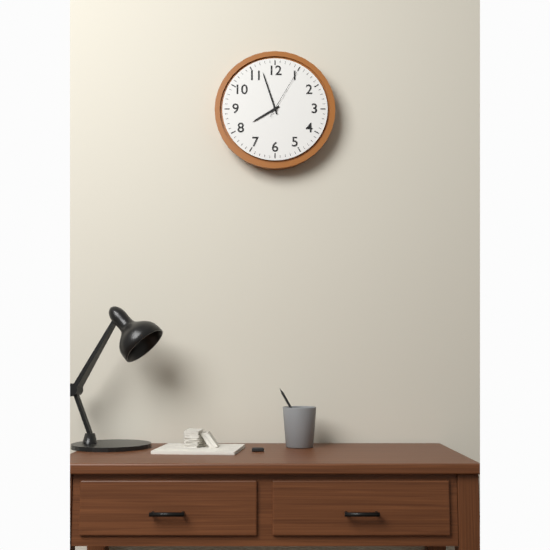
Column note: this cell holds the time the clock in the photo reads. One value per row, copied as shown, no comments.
7:57:05
